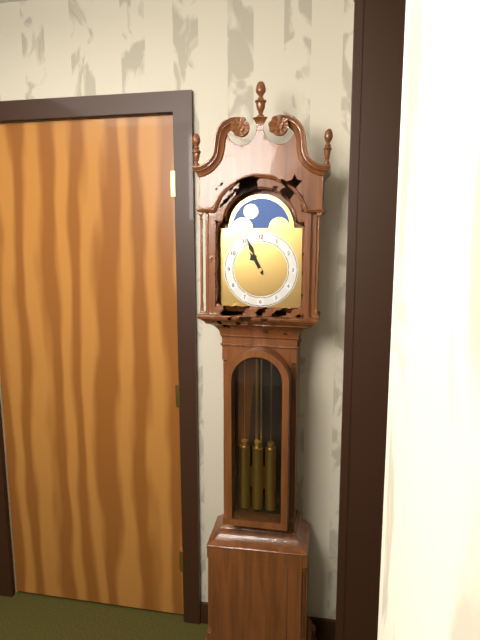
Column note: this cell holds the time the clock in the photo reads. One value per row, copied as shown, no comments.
10:56
